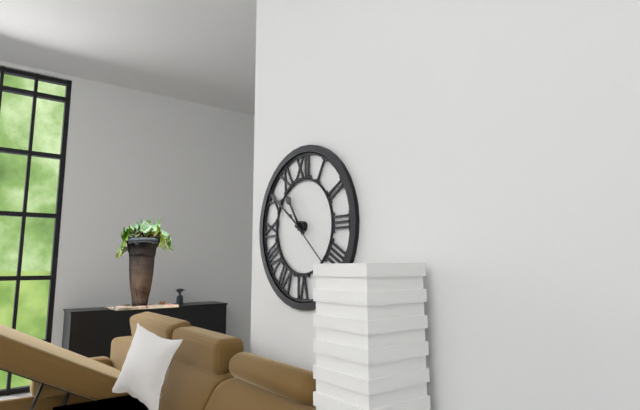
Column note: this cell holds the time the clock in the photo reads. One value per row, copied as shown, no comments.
10:51:22
